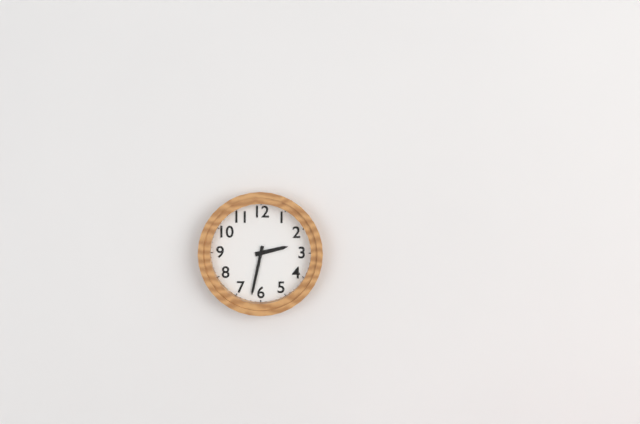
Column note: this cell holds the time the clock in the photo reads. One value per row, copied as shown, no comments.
2:32
